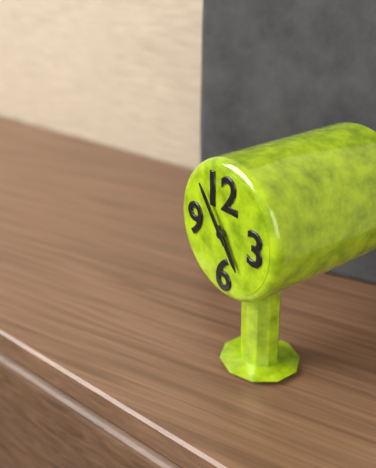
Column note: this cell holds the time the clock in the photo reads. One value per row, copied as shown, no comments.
4:54
